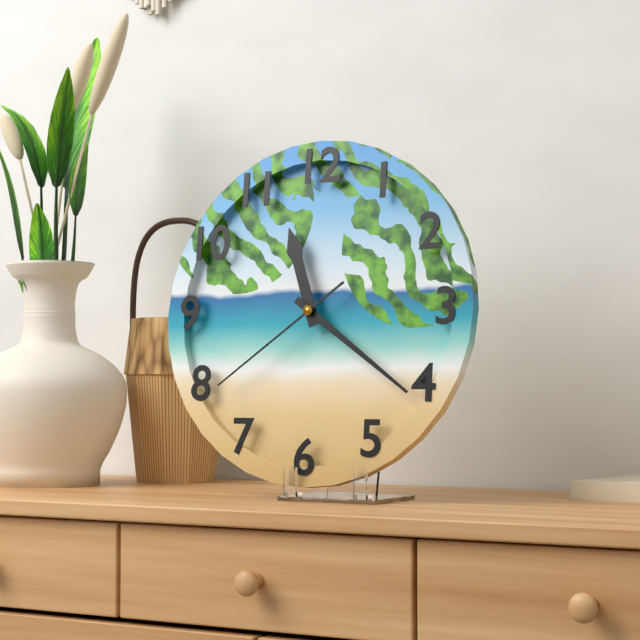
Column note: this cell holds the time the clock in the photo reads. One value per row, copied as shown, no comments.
11:21:39
